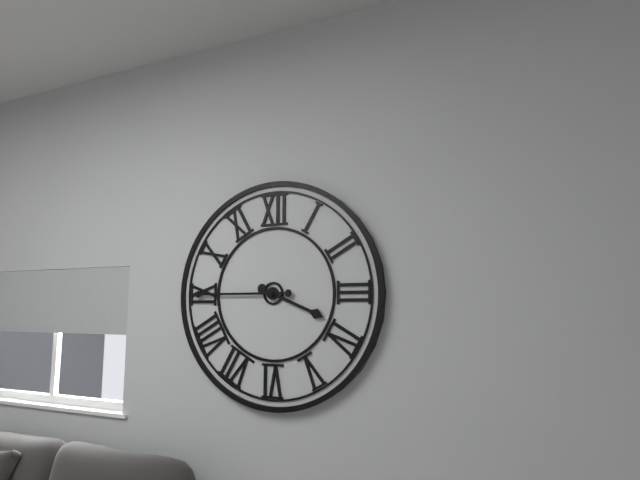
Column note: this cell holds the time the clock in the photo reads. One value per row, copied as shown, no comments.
3:45
